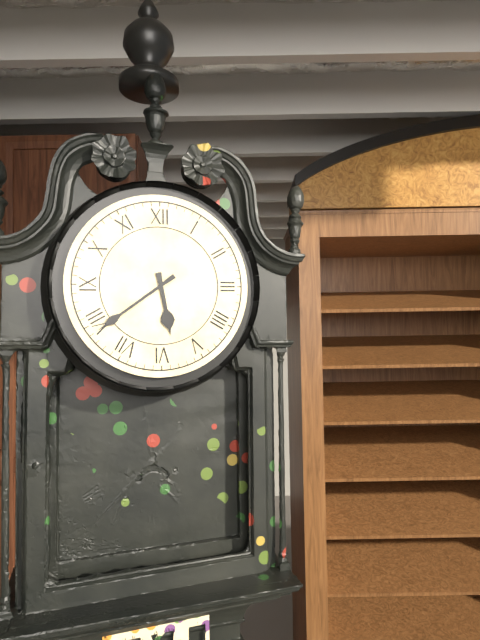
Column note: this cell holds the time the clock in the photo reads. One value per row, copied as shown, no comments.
5:39
